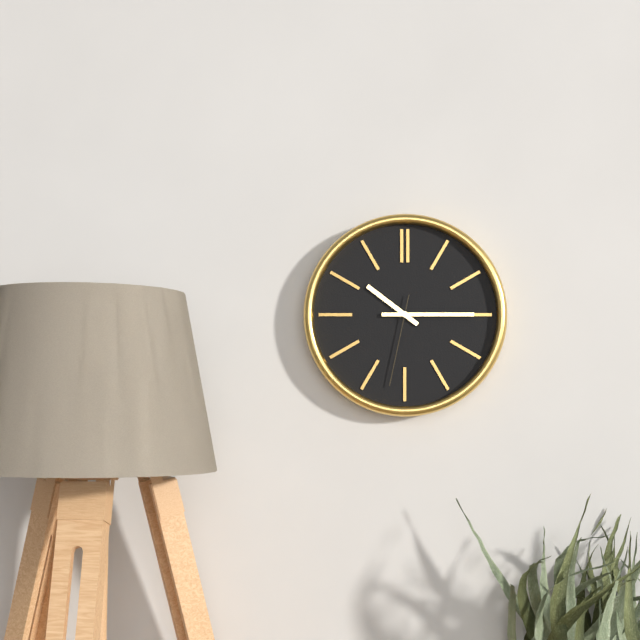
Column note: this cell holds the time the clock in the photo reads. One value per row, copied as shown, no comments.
10:15:32
